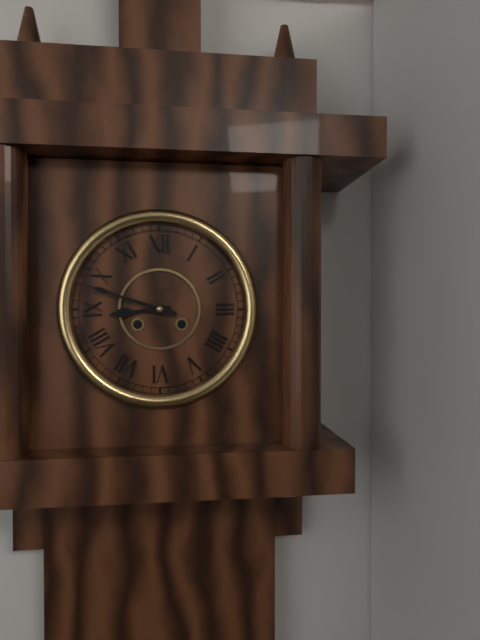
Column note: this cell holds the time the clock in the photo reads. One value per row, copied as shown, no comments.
8:48
